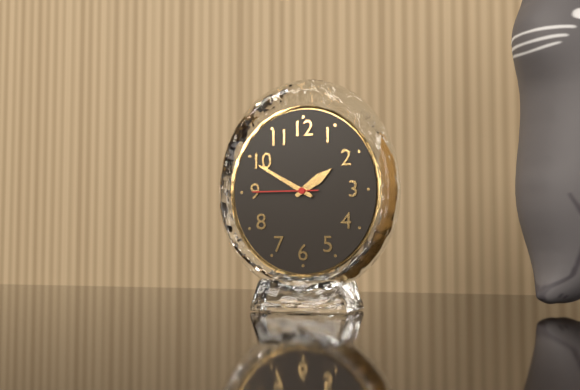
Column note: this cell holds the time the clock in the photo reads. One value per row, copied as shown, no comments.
1:50:45
